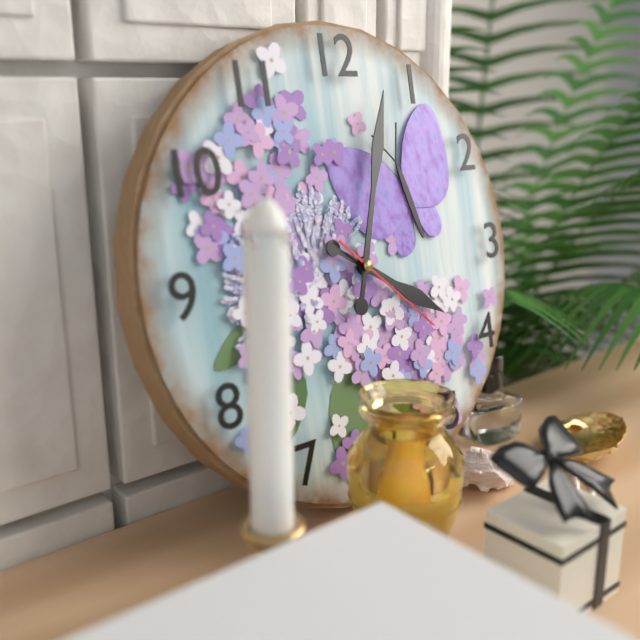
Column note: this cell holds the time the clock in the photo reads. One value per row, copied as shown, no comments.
4:03:22
